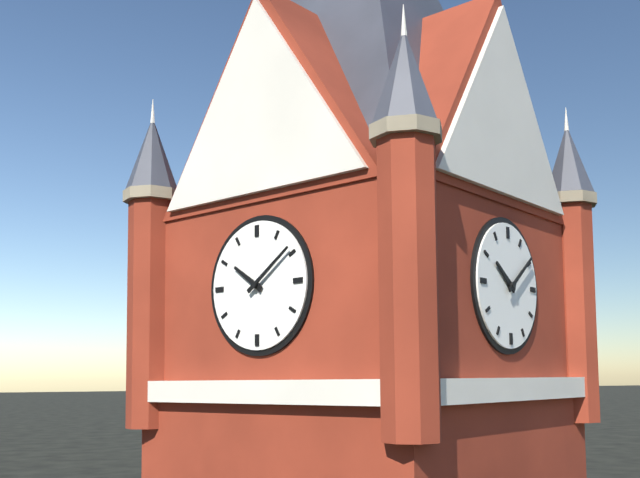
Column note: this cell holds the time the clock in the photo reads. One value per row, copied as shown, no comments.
10:09
